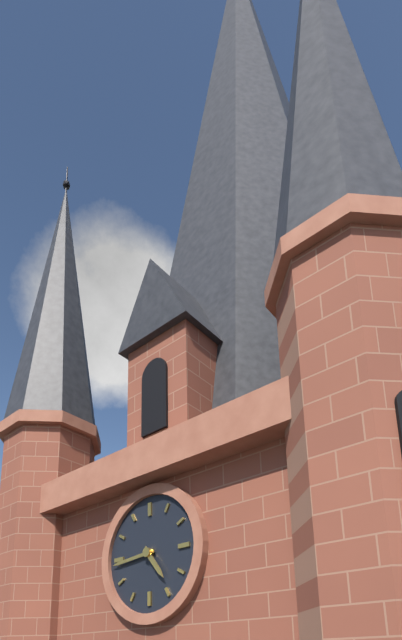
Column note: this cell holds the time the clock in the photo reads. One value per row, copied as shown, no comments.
4:44
